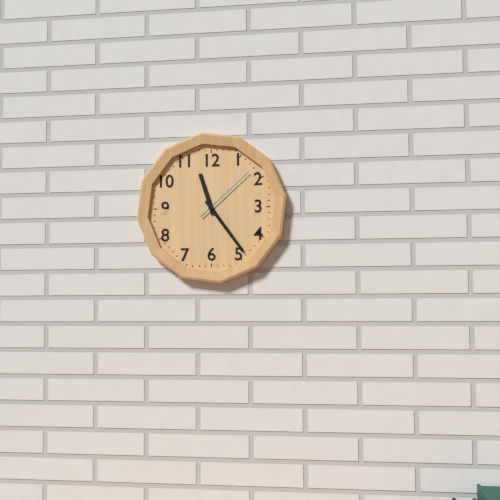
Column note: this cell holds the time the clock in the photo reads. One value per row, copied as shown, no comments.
11:24:08
